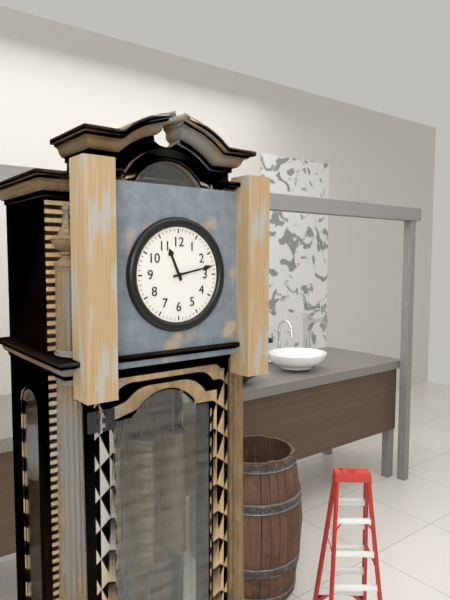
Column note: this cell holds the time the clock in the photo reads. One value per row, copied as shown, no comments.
11:13
